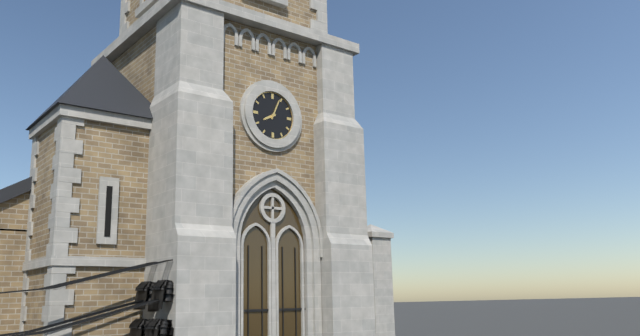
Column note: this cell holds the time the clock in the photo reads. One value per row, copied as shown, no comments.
8:04
